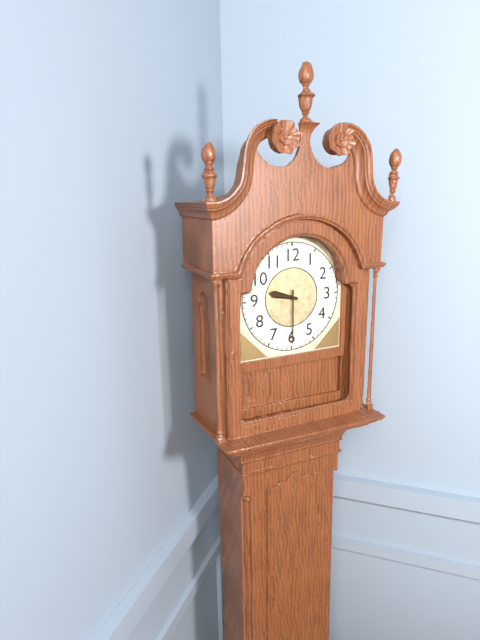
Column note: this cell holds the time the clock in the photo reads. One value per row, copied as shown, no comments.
9:30
